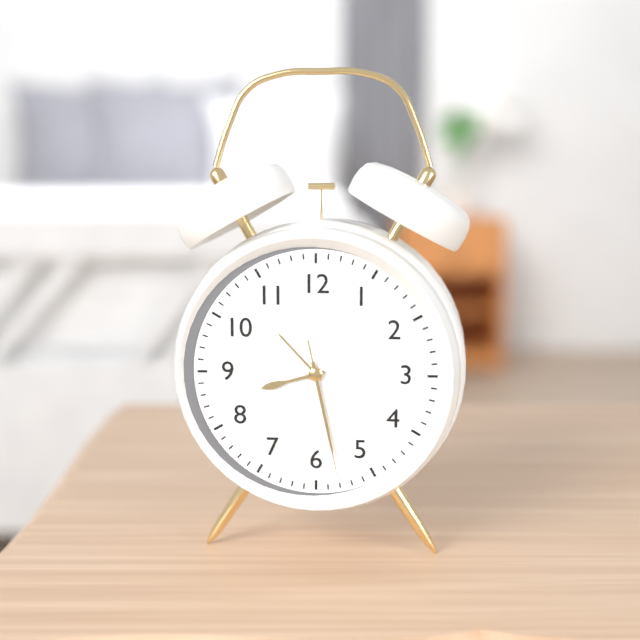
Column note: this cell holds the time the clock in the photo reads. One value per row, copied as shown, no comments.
8:28:28
